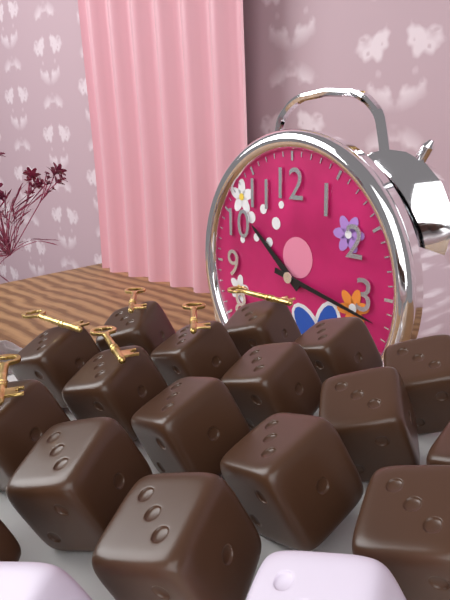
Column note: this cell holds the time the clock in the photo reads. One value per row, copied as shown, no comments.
10:17
